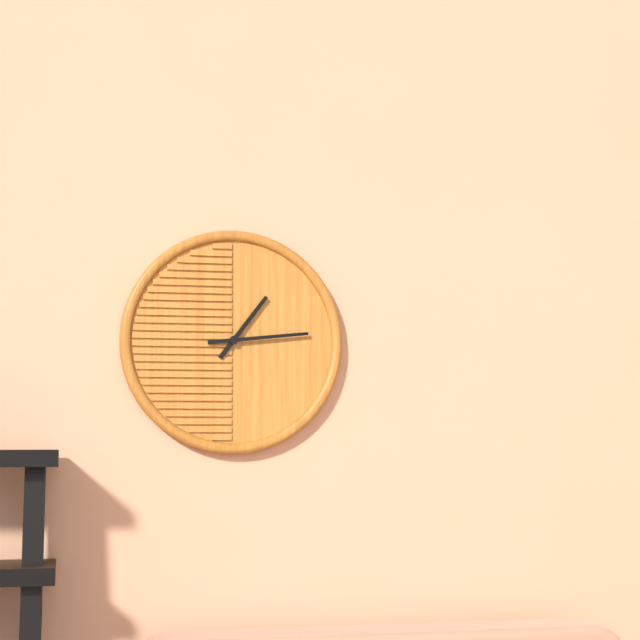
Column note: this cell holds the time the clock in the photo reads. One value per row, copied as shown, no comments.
1:14
